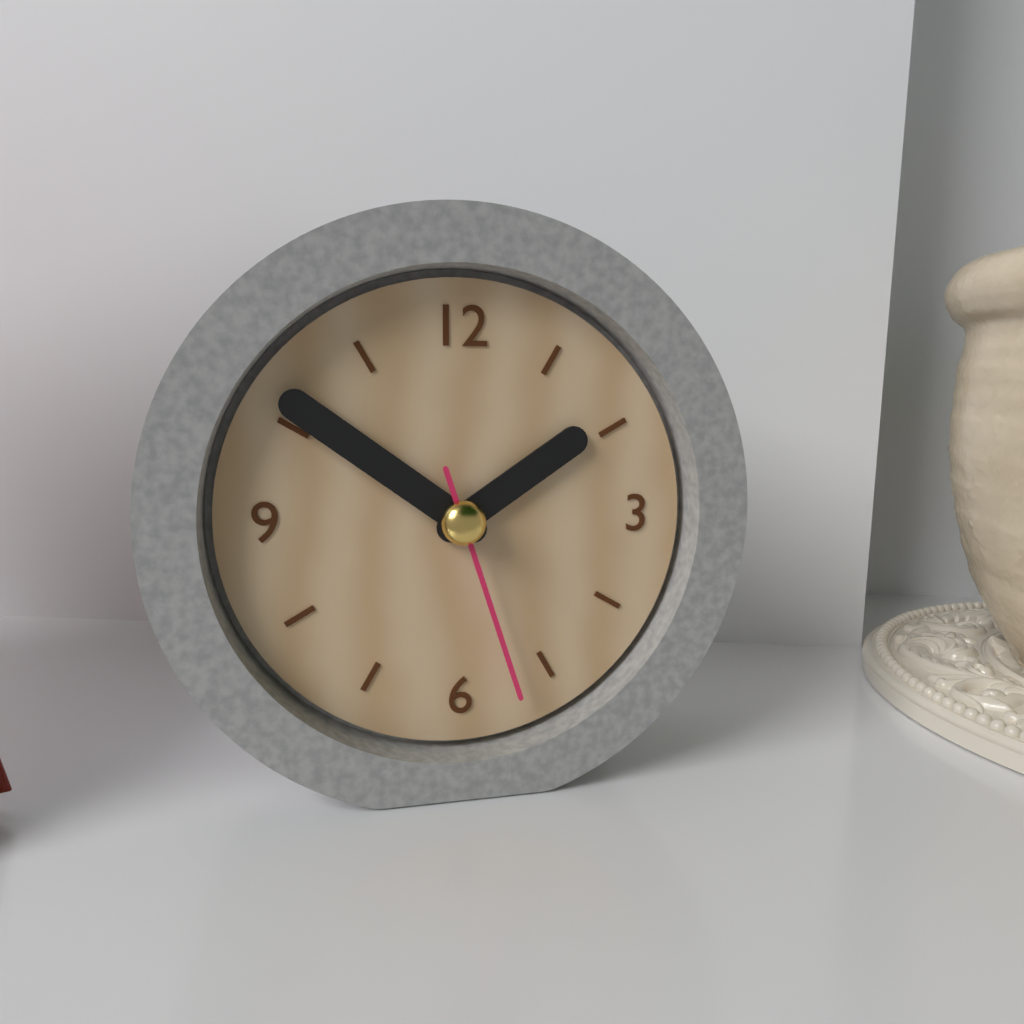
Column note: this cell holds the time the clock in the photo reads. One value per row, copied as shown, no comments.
1:51:27
